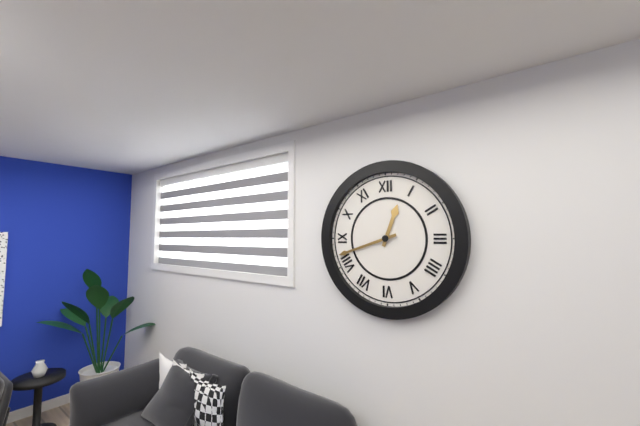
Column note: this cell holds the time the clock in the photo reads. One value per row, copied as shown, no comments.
12:42
